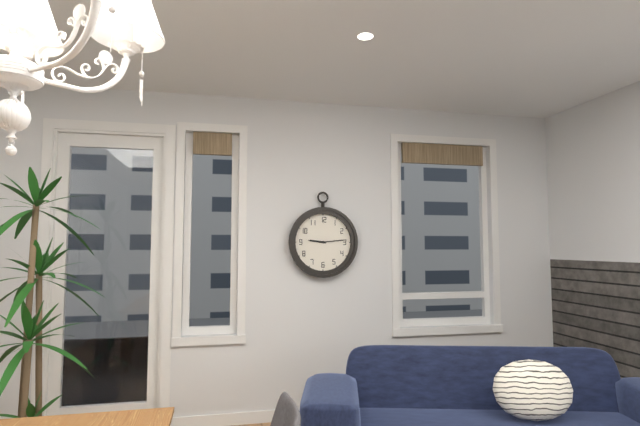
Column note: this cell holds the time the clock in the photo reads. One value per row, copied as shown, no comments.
9:14
